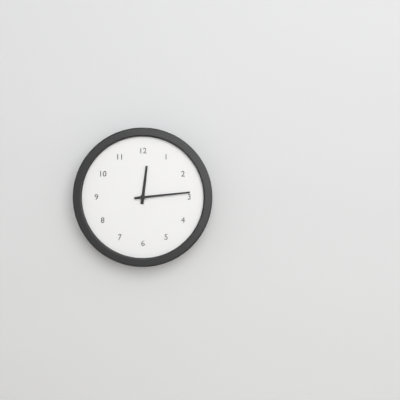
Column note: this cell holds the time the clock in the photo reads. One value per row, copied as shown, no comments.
12:14
